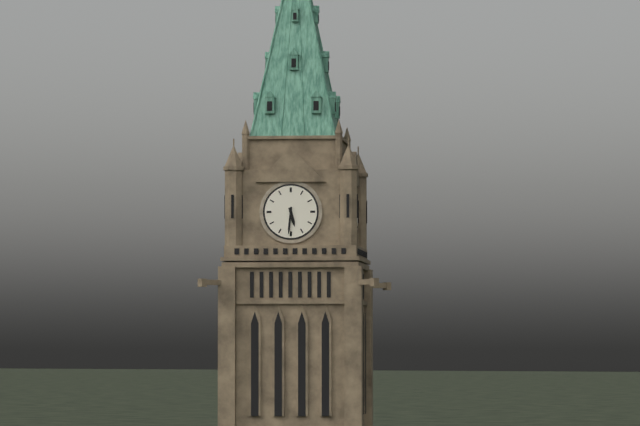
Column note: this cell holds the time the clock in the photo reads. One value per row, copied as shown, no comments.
5:31
